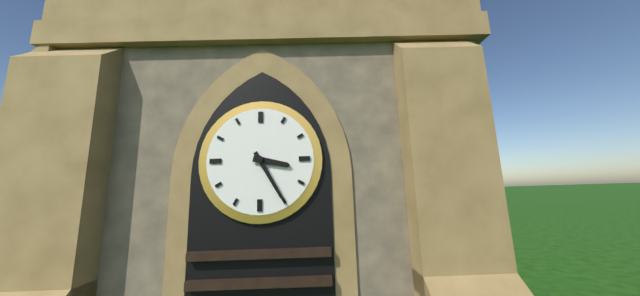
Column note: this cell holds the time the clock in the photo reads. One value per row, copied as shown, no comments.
3:25
